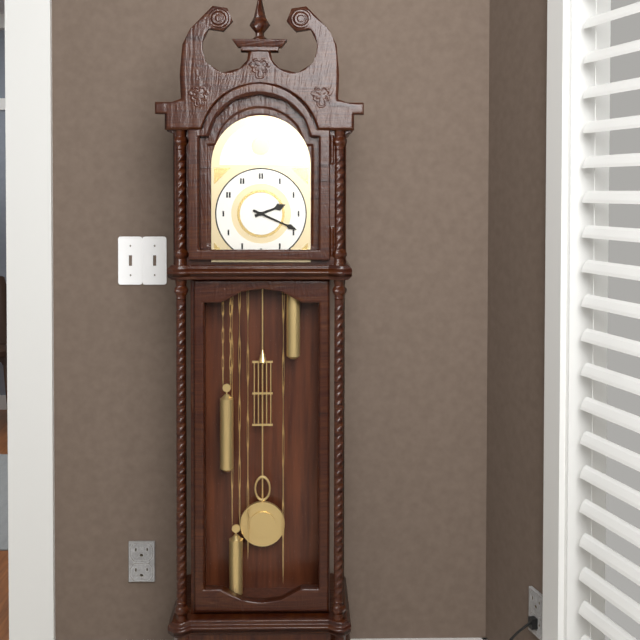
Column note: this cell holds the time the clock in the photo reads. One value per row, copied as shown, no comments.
2:19
